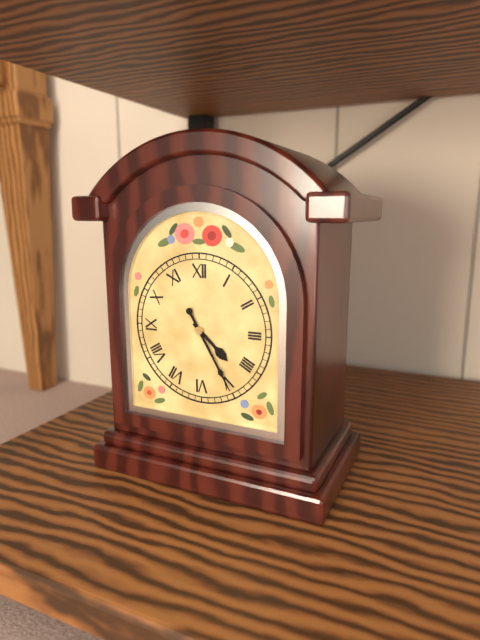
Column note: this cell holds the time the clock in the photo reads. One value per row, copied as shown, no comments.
4:25
